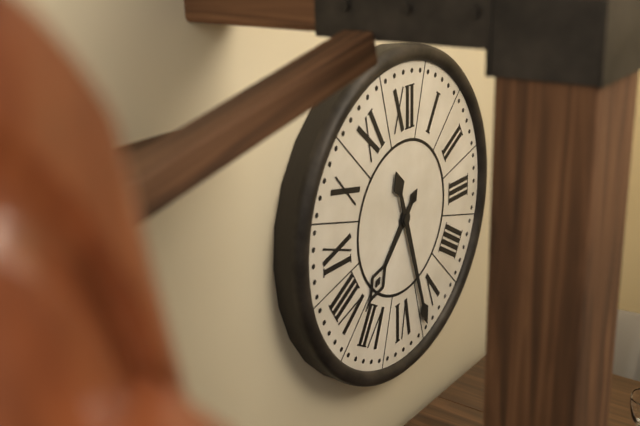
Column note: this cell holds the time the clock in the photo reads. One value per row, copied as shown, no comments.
7:27
